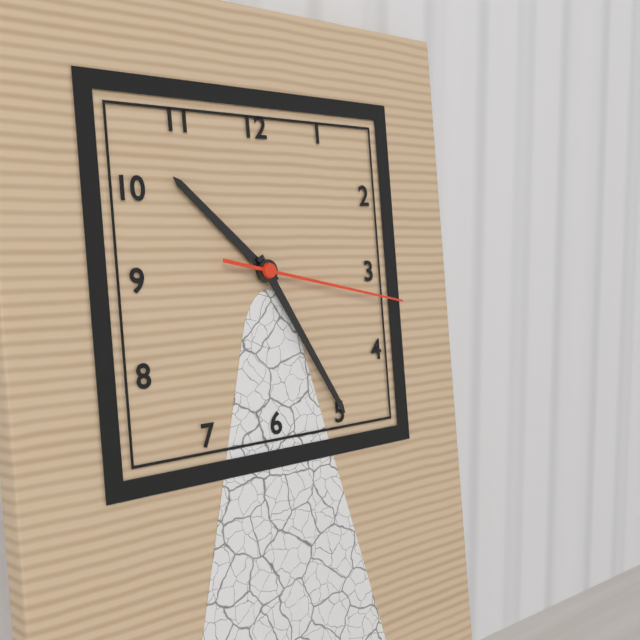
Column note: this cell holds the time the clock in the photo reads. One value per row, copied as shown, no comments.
10:25:17
